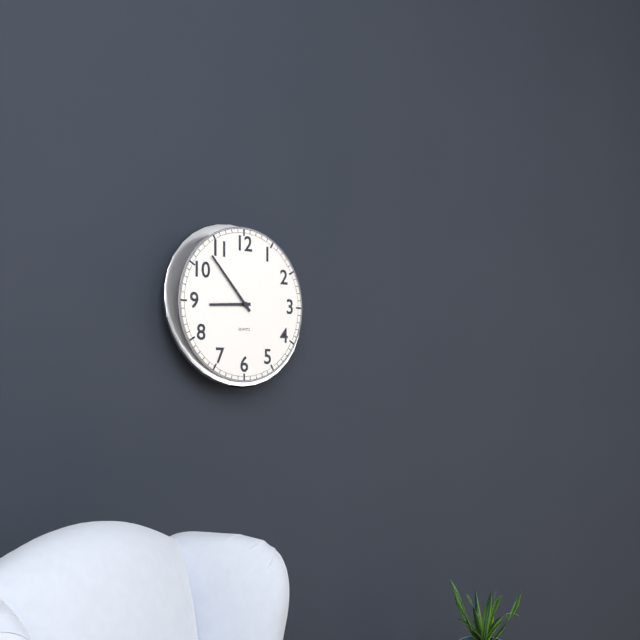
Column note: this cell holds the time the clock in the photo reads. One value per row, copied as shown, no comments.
8:53
